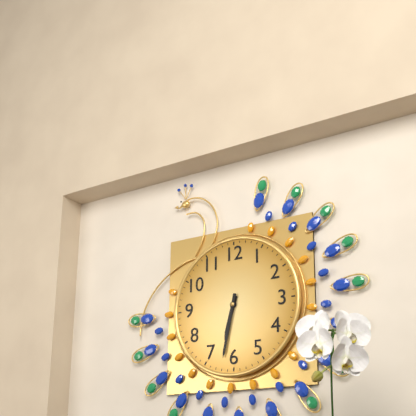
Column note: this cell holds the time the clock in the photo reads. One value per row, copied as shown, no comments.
6:32
